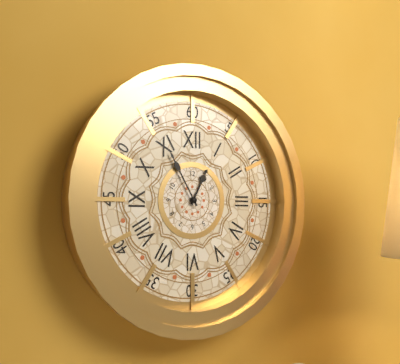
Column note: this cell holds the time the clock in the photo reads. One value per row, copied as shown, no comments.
12:55
